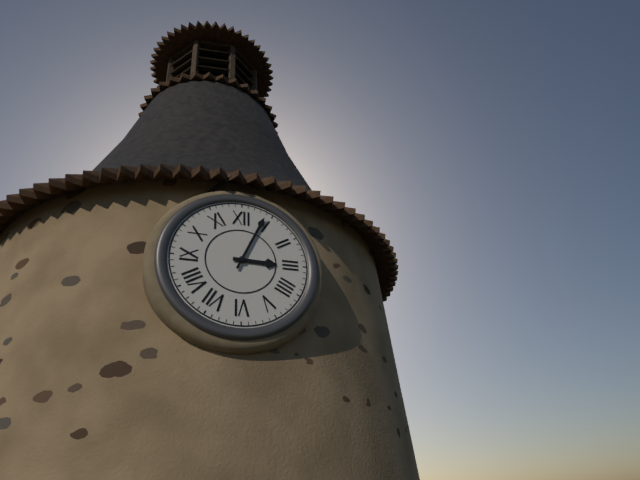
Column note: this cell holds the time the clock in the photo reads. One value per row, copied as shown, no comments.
3:04
